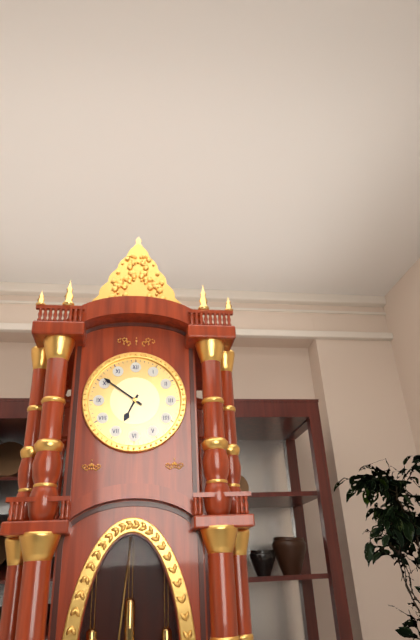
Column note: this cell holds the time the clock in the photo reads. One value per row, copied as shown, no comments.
6:51
